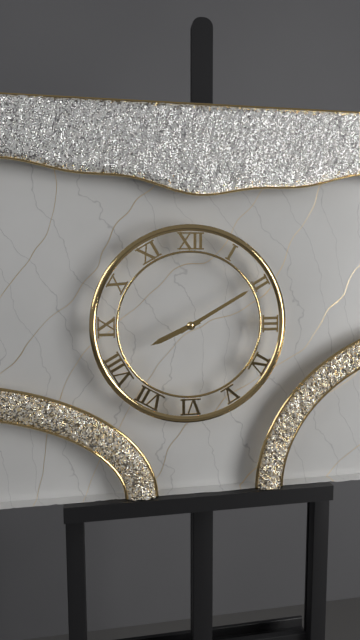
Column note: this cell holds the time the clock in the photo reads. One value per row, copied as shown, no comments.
8:10
